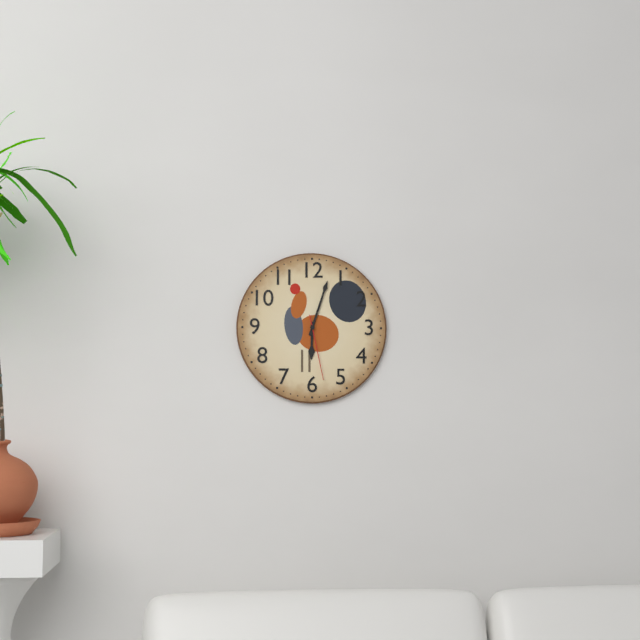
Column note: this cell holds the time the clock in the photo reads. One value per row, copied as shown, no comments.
6:03:28
